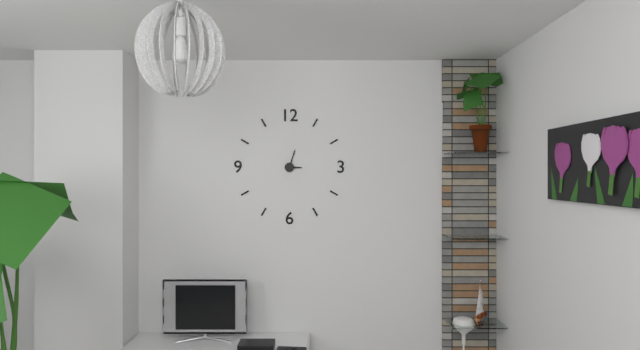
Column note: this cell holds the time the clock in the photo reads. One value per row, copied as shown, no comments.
3:03
